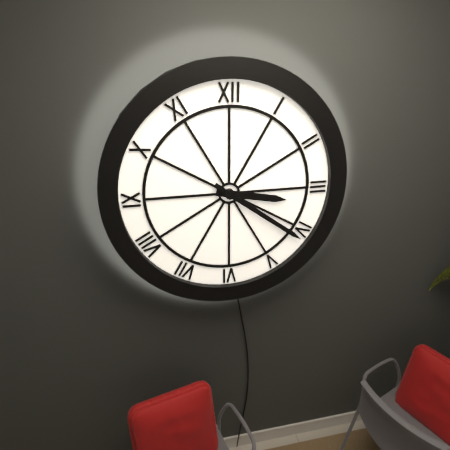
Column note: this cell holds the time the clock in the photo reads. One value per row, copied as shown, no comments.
3:21
